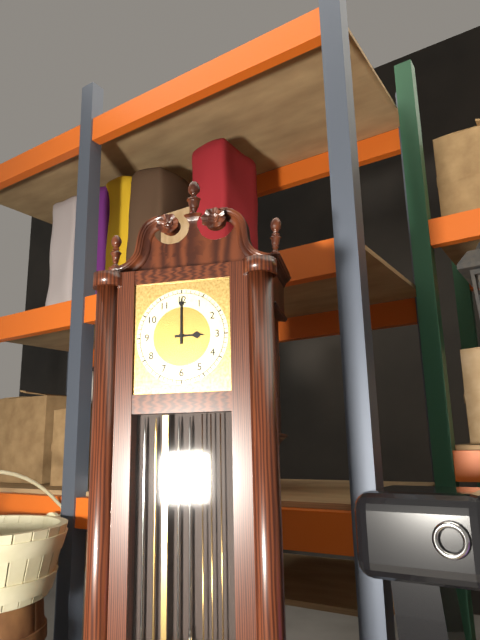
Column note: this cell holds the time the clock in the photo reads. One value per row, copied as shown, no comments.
3:00
